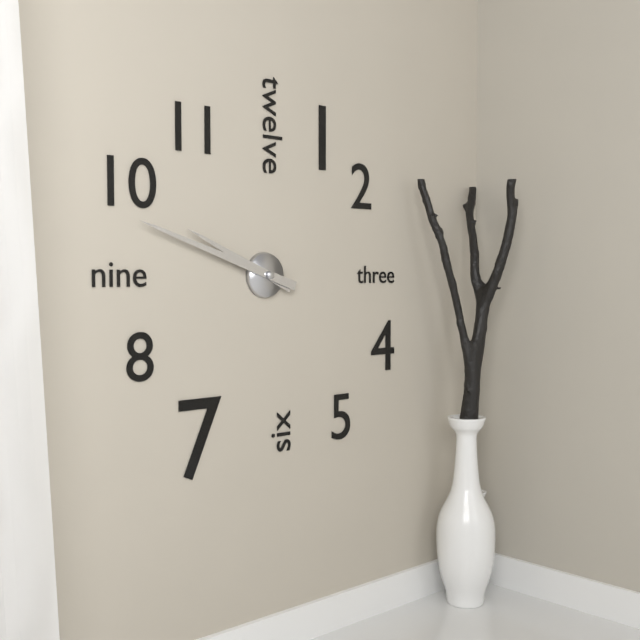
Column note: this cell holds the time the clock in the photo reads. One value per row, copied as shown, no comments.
9:48
